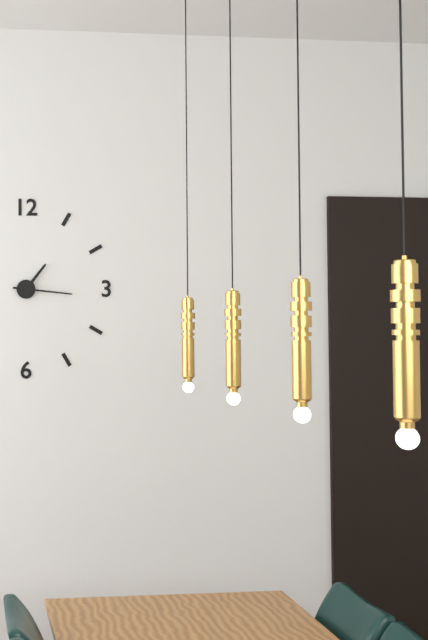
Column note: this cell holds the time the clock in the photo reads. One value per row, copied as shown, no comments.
1:16
